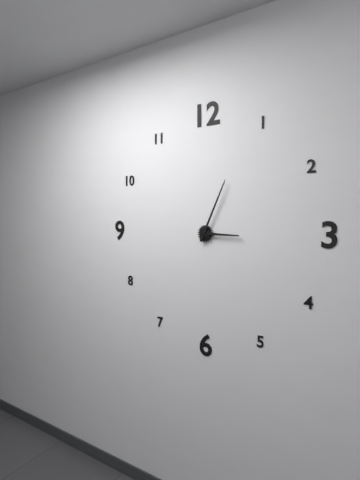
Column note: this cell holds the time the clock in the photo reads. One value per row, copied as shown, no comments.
3:04
